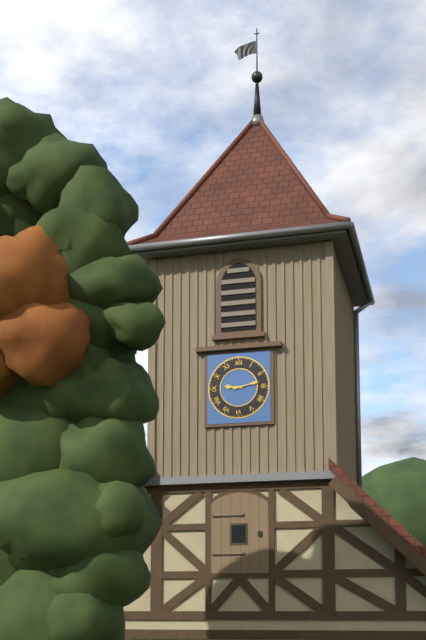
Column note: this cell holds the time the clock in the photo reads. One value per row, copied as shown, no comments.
9:13
